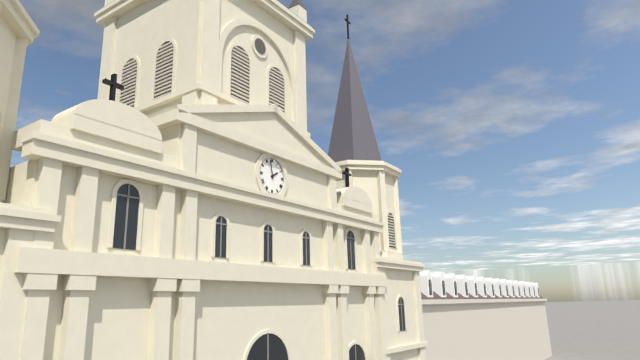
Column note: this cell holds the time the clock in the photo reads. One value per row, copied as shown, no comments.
1:58
